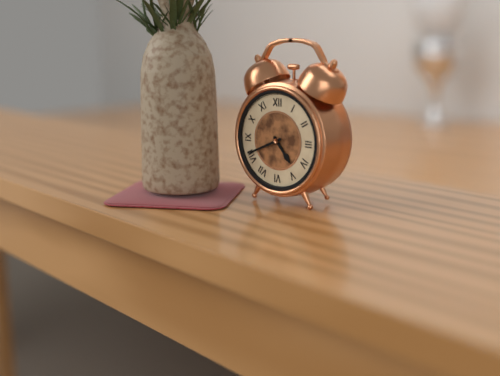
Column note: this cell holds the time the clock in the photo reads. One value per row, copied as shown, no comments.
4:41
